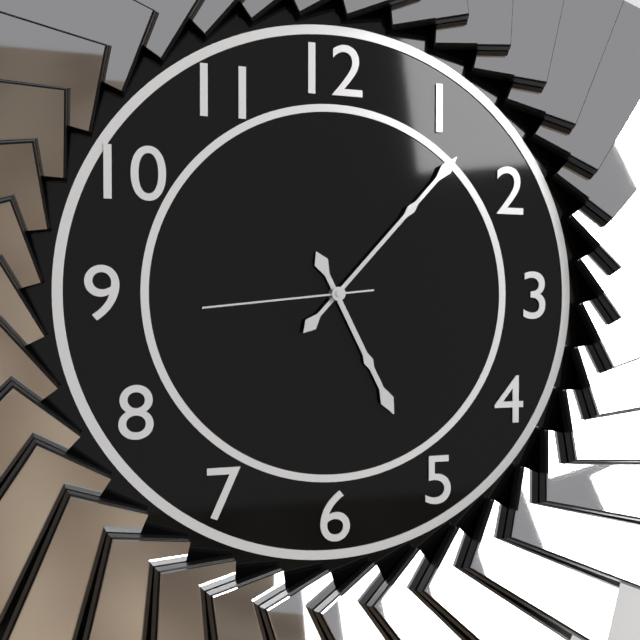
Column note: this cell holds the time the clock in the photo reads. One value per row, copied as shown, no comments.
5:07:44
